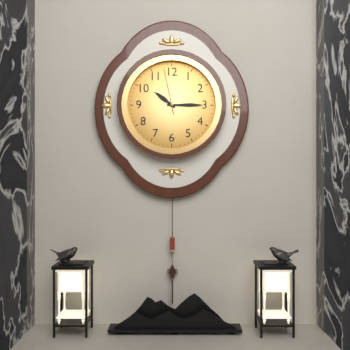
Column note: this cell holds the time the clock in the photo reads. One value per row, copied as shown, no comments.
10:15
